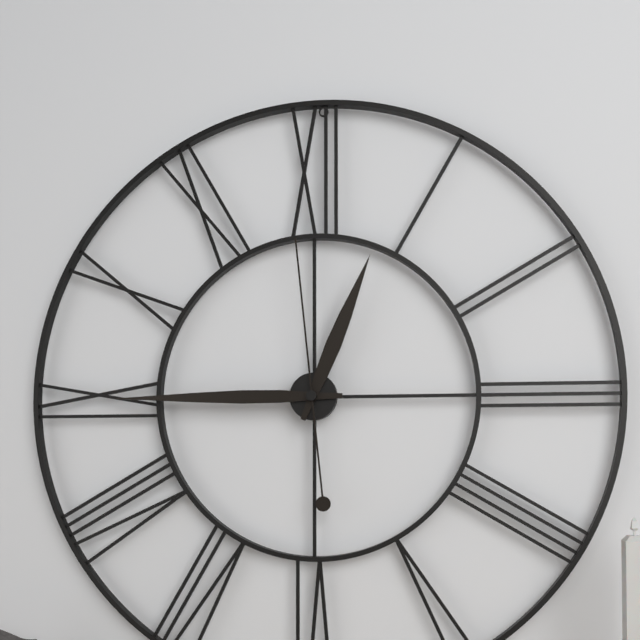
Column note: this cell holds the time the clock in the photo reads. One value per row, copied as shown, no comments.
12:45:59
